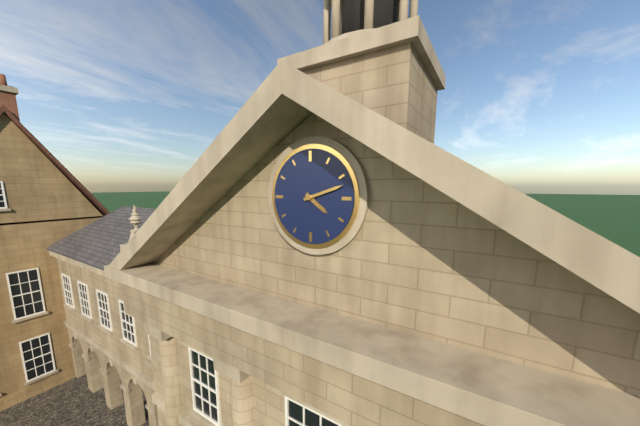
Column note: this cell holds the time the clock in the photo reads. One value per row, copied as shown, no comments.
4:12
